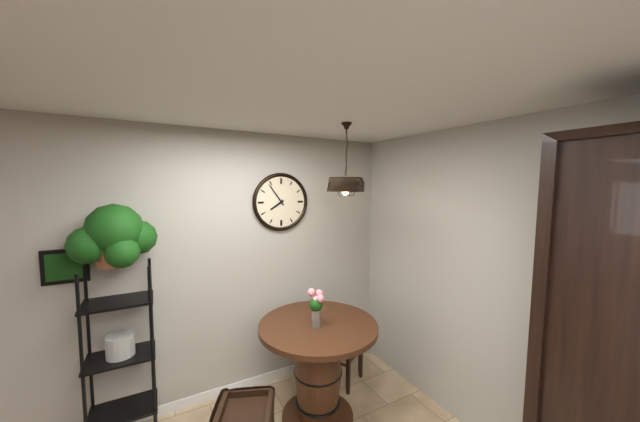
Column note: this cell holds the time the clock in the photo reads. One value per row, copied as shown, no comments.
7:54
